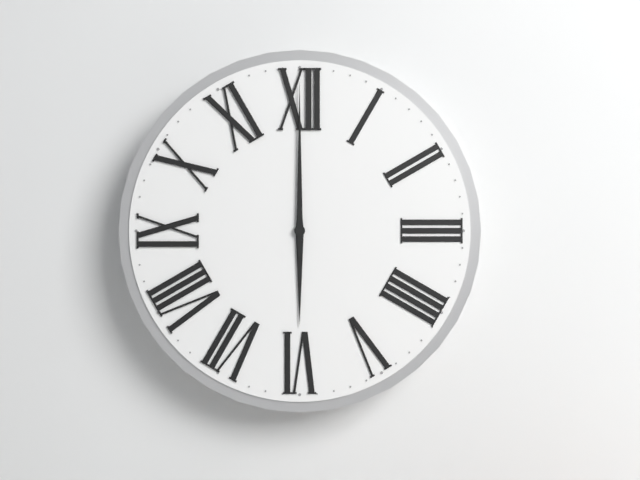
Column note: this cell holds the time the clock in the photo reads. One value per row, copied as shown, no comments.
6:00
